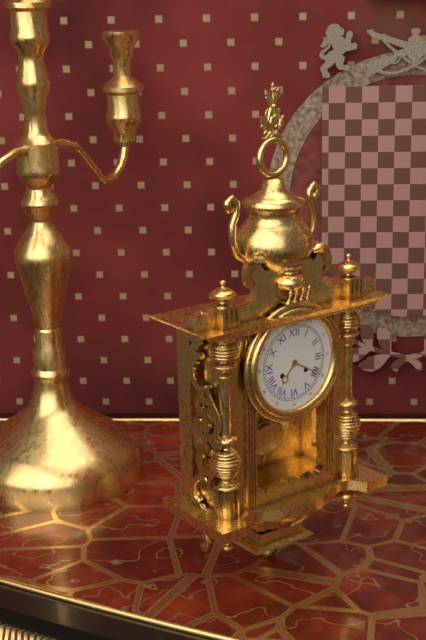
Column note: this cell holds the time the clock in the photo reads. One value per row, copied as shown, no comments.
7:20
